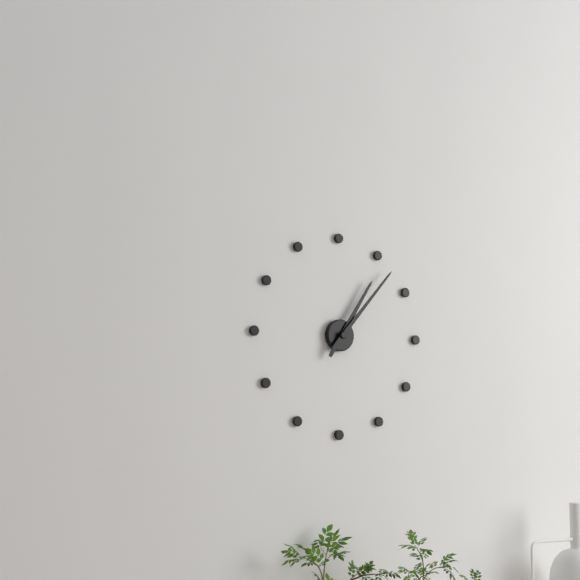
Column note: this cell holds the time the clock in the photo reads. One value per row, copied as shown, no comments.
1:07
